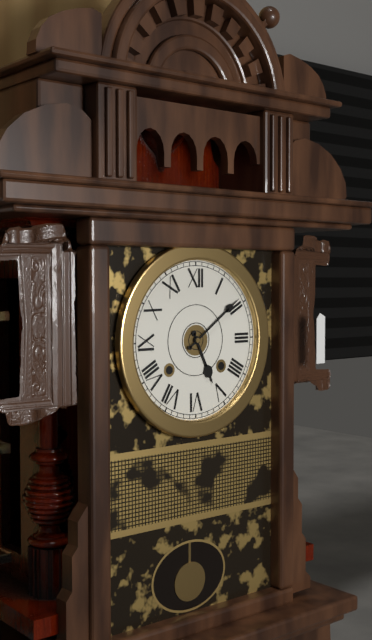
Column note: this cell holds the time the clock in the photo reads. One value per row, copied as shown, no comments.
5:09
